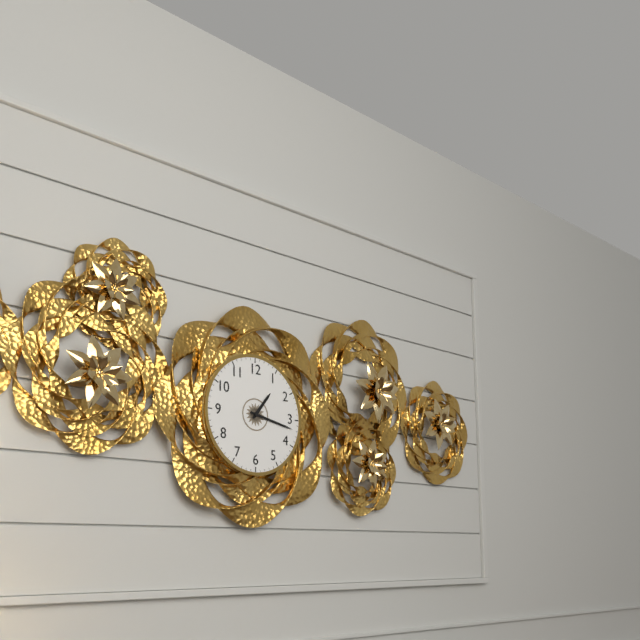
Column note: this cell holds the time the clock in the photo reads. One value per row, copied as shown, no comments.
1:17
